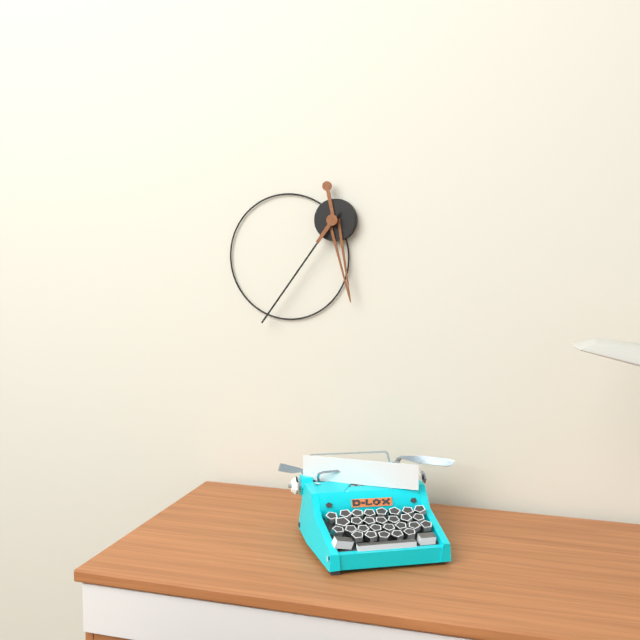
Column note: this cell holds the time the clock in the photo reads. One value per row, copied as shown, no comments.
5:36
